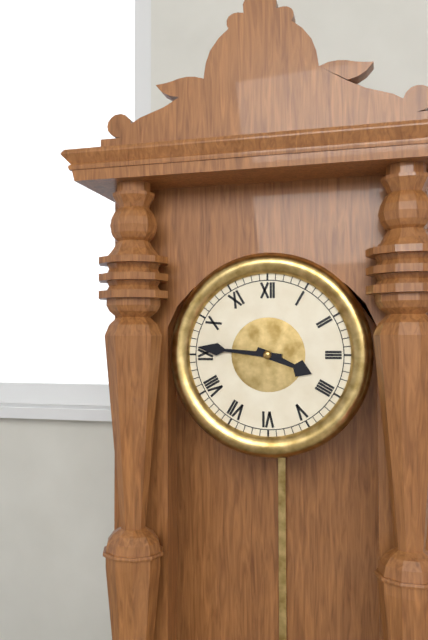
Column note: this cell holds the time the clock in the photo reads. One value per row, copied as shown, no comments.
3:46
